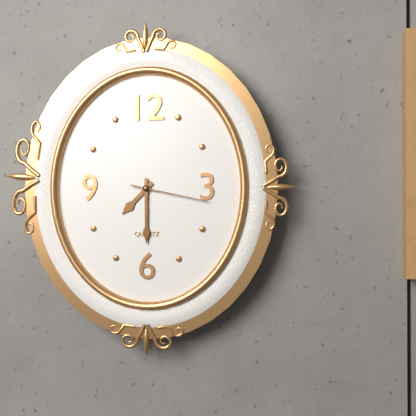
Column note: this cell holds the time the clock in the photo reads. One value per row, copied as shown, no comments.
7:30:17
